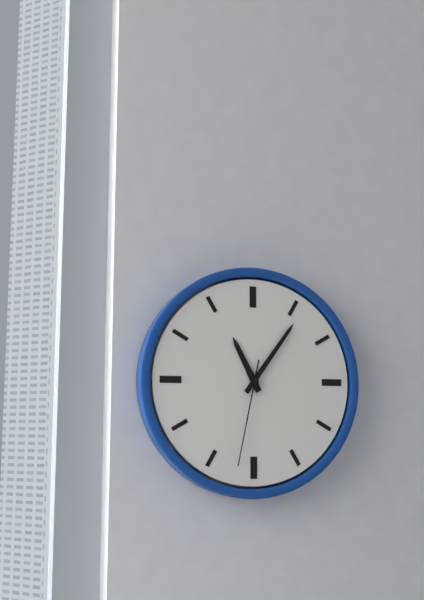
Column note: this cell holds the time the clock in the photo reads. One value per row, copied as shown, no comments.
11:06:32
